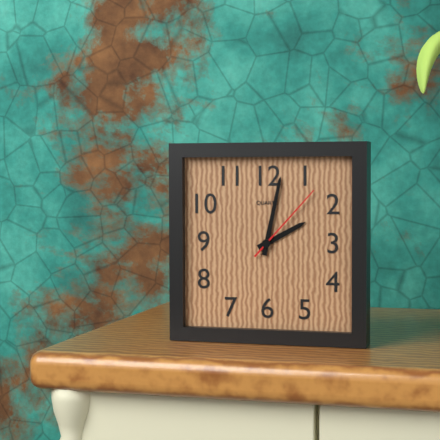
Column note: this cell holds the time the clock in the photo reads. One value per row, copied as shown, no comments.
2:02:07
